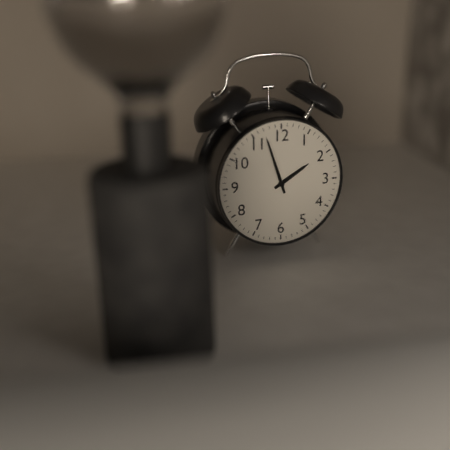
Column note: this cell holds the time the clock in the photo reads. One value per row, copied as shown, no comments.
1:57
